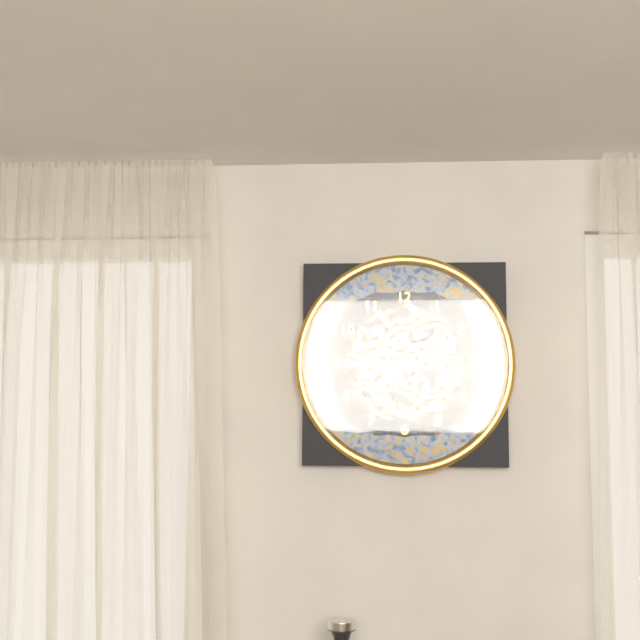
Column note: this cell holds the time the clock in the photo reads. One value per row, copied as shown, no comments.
7:45
